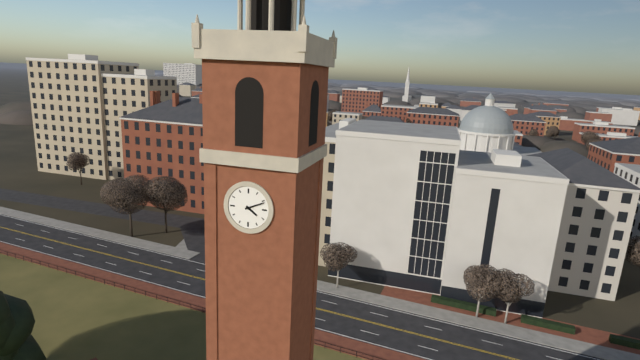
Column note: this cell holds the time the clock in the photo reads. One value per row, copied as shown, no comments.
4:11
